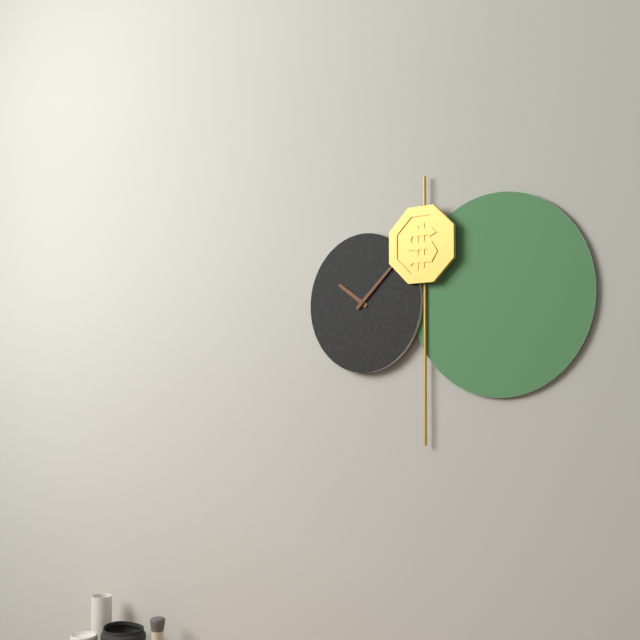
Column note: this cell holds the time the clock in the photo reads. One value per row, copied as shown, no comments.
10:08
